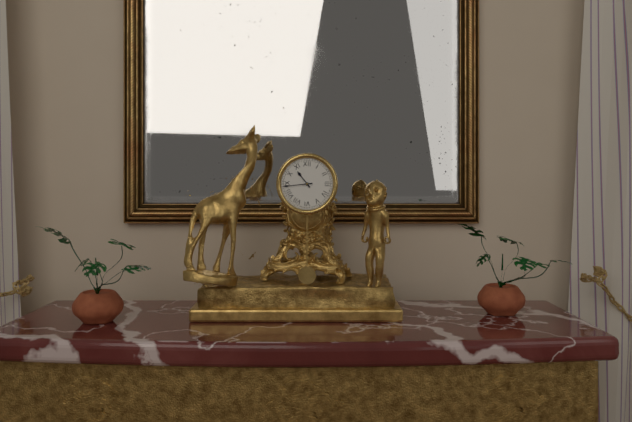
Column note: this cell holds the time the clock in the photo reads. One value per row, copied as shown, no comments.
10:44
